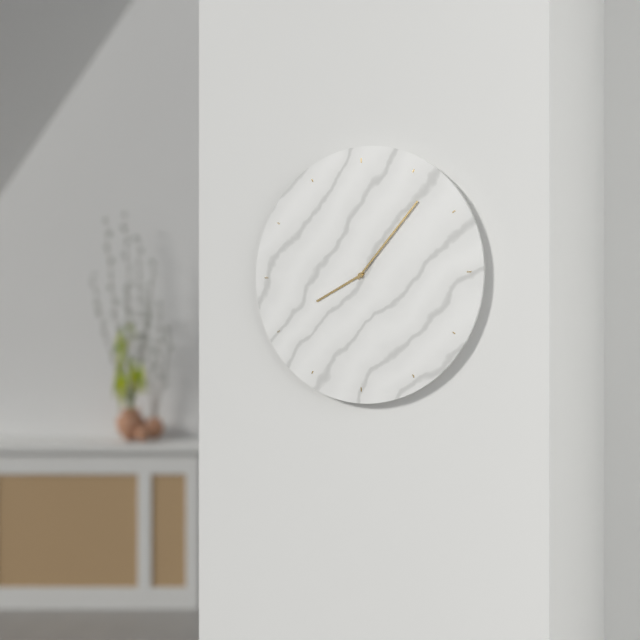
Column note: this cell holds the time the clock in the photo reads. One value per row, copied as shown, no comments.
8:07
